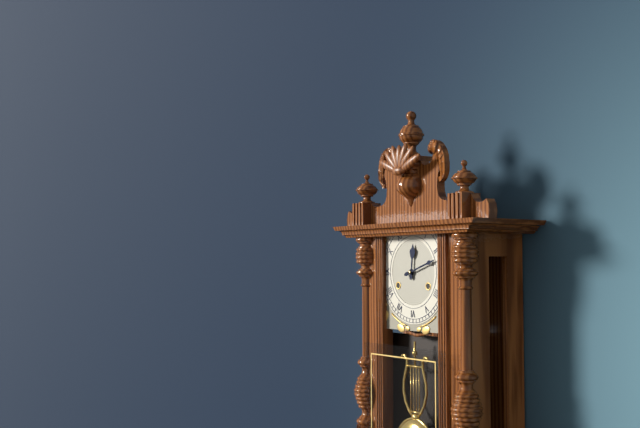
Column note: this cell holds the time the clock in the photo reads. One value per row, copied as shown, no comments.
12:12
